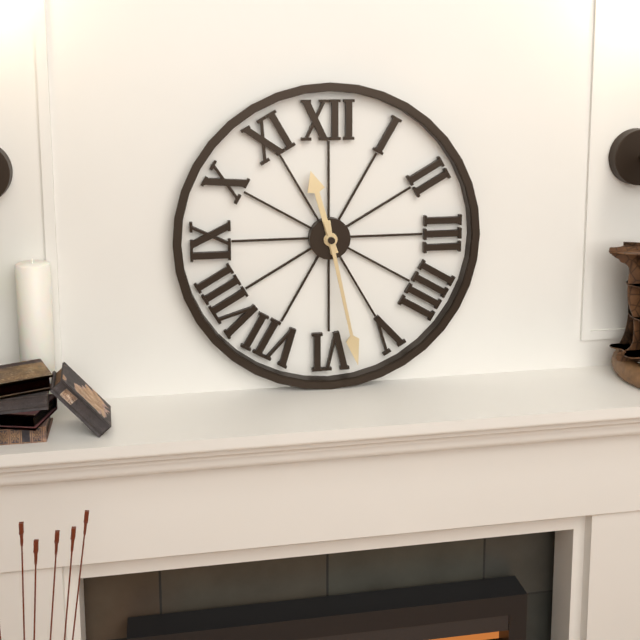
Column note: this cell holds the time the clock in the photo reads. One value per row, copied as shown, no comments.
11:28
